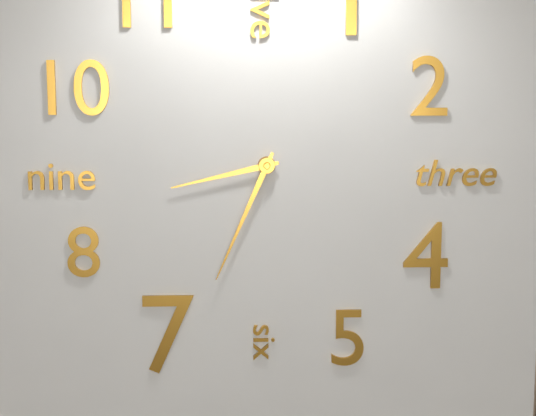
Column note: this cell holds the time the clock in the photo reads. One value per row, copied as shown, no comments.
8:34
